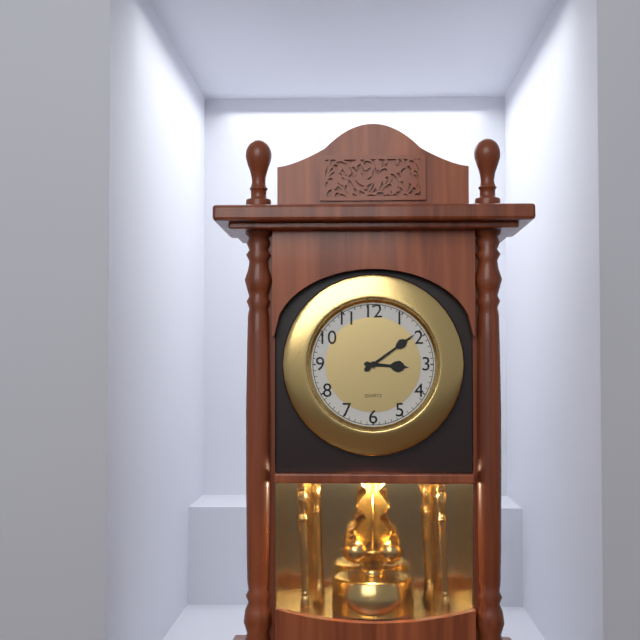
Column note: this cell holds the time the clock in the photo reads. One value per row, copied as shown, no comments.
3:09
